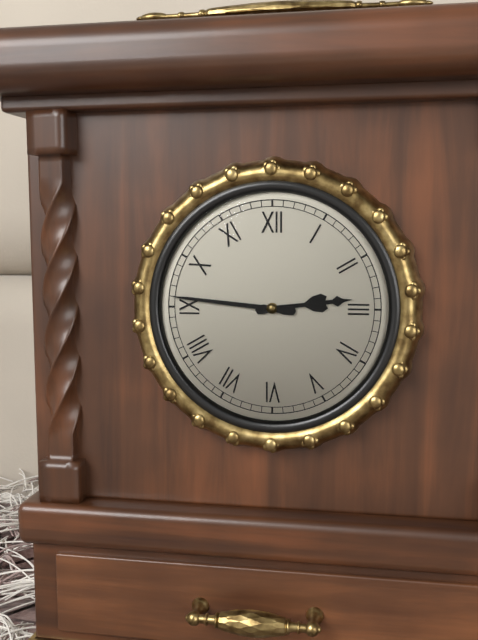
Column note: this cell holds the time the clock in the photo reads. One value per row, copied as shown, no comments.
2:46
